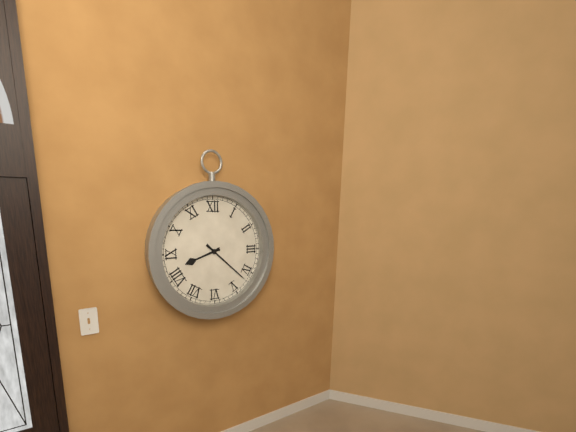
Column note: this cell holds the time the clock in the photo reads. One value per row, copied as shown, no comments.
8:22
